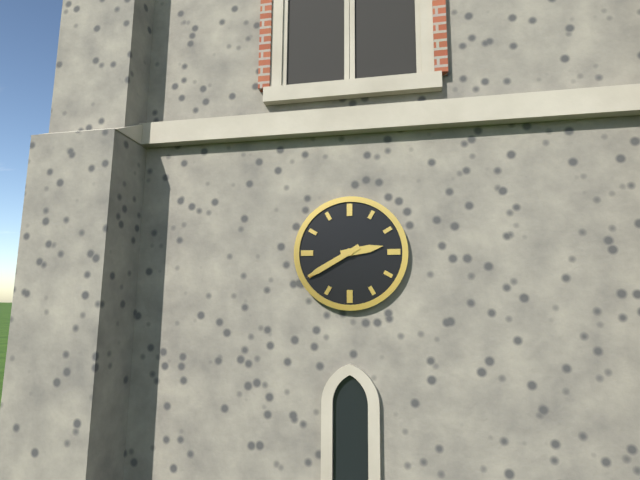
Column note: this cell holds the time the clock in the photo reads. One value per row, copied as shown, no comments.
2:40
